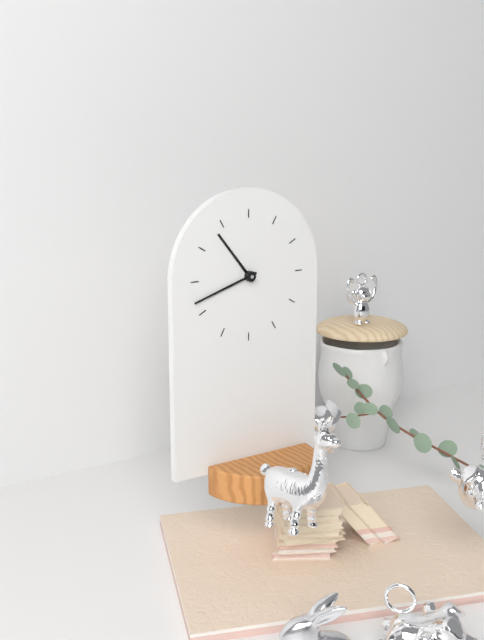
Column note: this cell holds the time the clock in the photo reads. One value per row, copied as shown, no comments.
10:42
